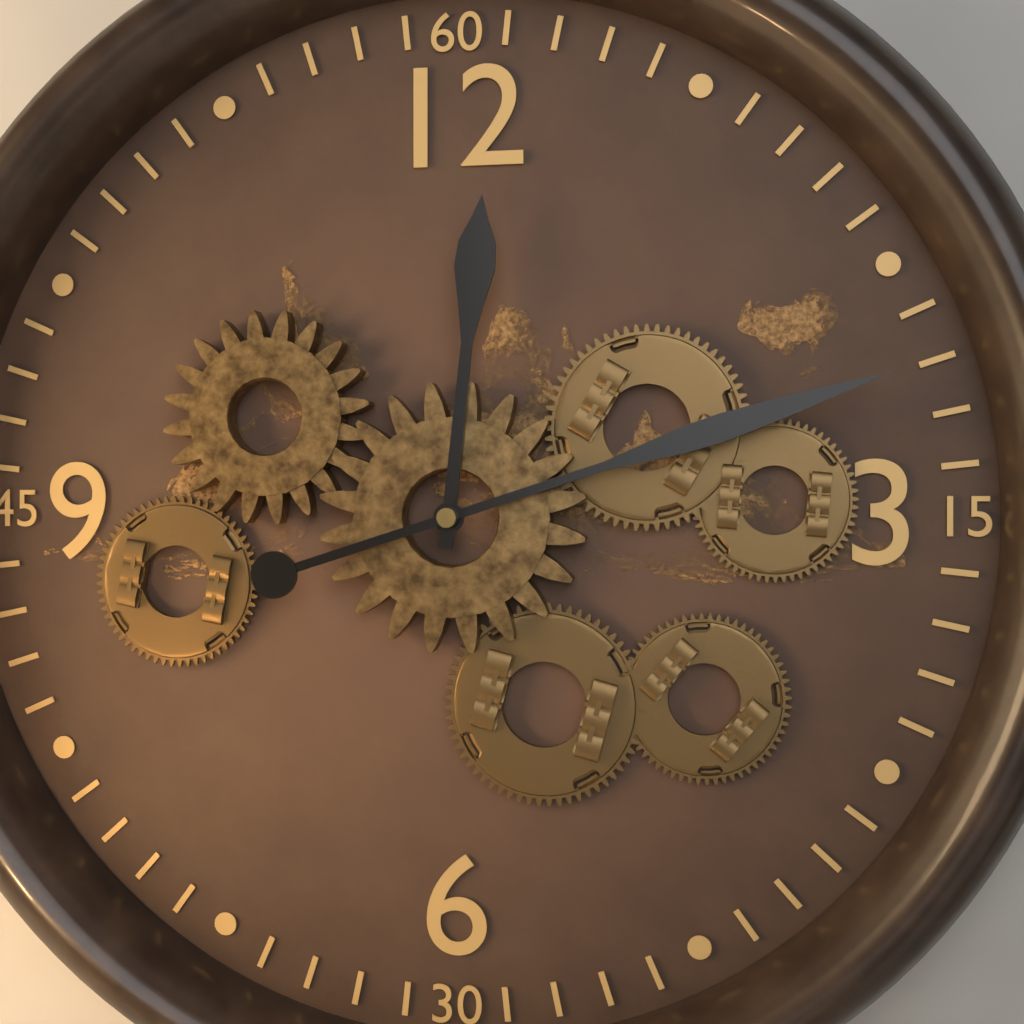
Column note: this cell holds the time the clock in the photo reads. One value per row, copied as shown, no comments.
12:12
